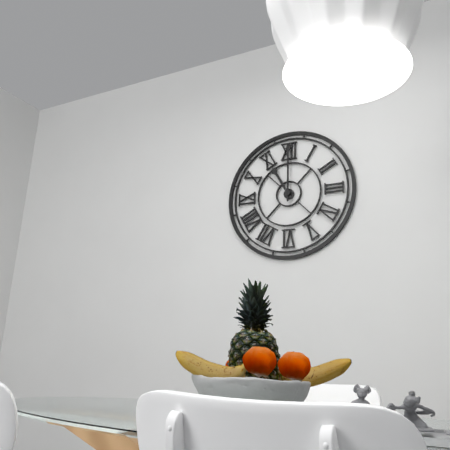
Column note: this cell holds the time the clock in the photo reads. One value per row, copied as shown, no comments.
11:00
